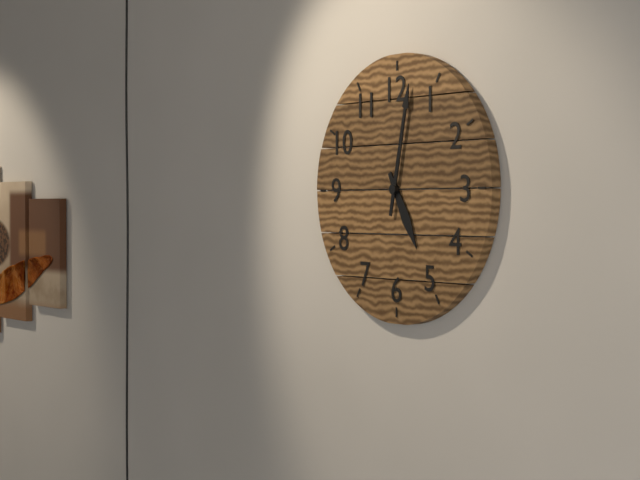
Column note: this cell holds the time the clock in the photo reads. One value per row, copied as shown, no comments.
5:02
